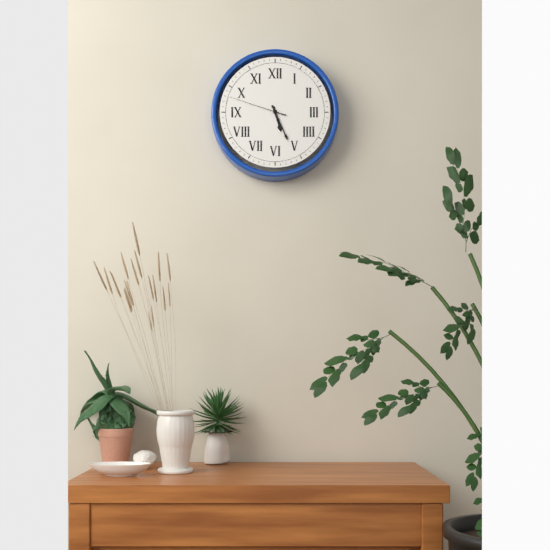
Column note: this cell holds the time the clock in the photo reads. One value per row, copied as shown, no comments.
5:26:48
